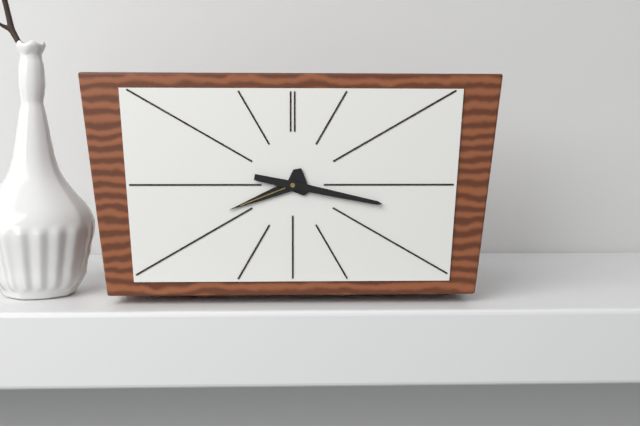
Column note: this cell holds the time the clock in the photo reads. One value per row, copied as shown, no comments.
8:17
